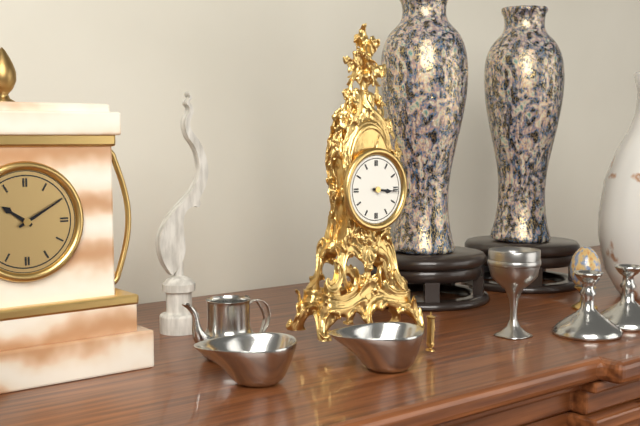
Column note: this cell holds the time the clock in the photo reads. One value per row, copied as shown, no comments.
3:16
